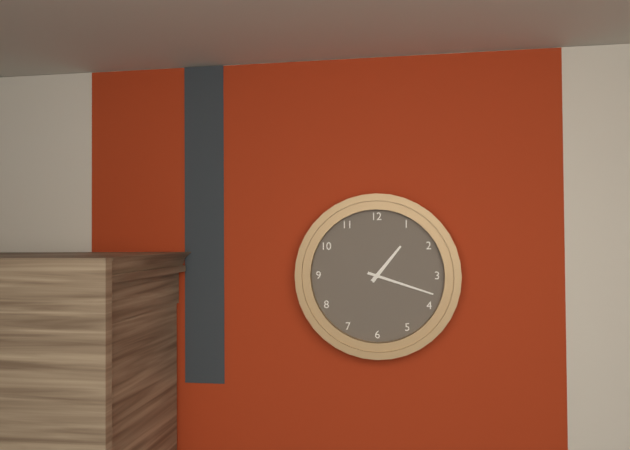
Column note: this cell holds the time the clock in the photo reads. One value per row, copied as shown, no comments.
1:18
